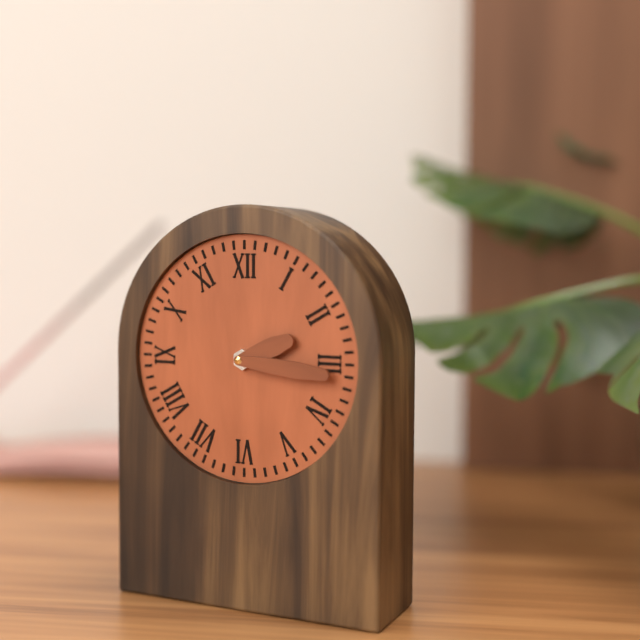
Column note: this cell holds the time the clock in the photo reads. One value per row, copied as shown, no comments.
2:16
